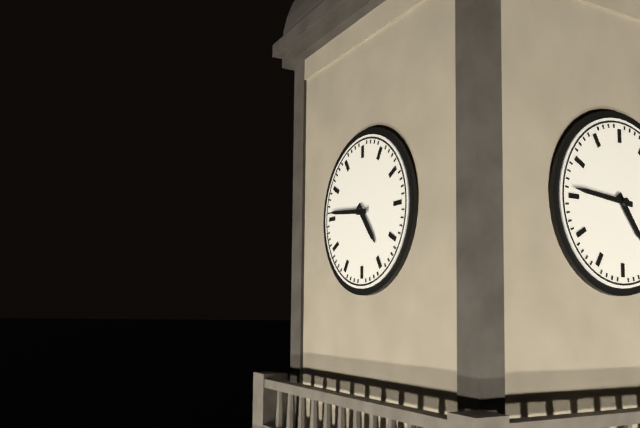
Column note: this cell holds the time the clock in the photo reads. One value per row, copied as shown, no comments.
4:46
